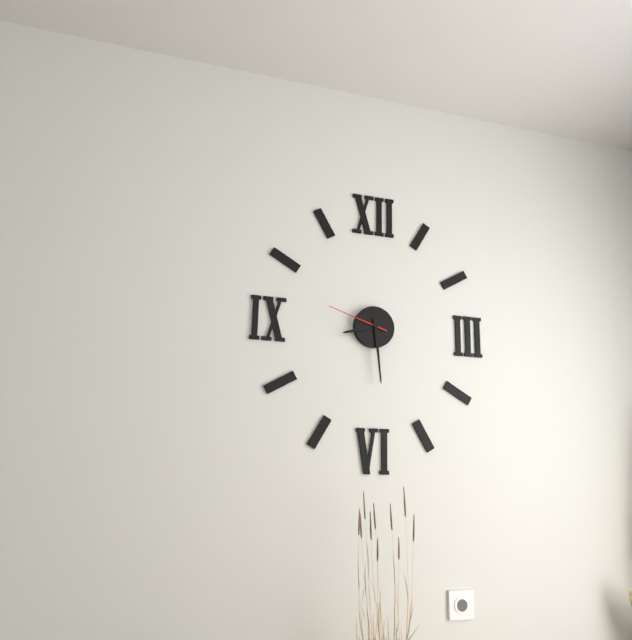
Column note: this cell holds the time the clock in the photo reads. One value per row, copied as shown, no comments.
8:29:48
